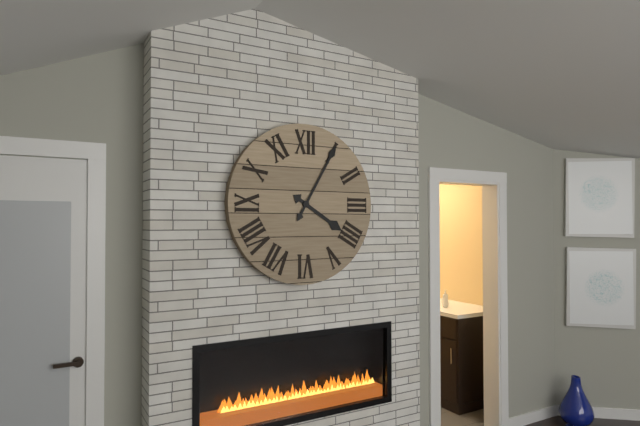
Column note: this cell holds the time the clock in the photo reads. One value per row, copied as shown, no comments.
4:05
